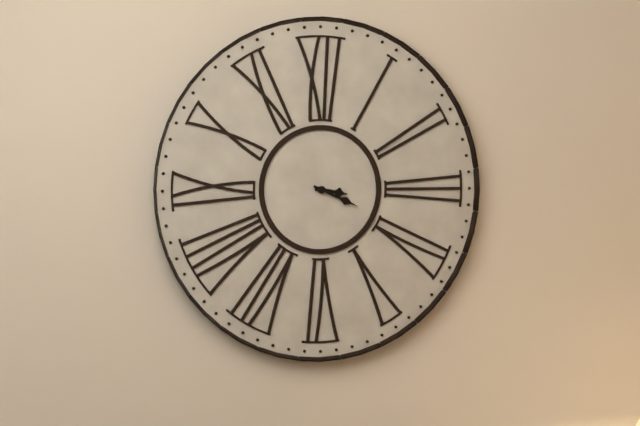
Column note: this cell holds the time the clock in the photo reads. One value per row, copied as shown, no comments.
3:19
